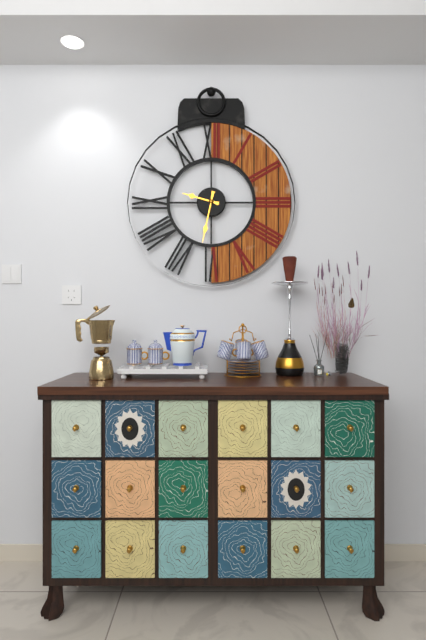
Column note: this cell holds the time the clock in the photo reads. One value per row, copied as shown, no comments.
9:32
